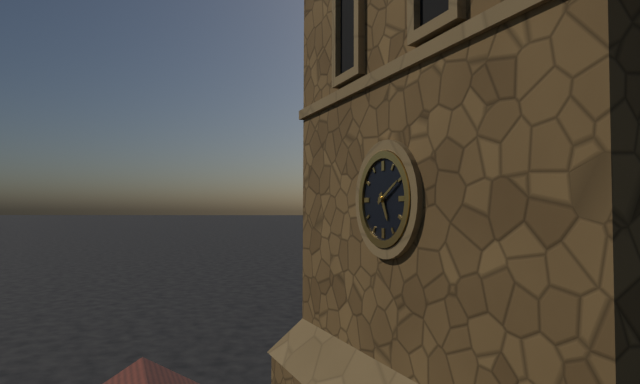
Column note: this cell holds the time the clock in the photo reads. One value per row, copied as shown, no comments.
5:10
